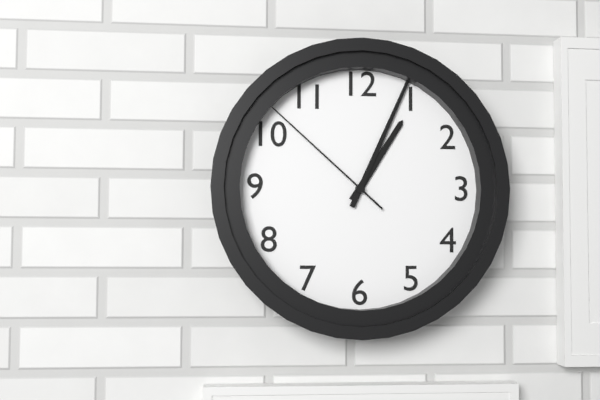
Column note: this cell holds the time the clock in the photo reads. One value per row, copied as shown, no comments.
1:04:52
